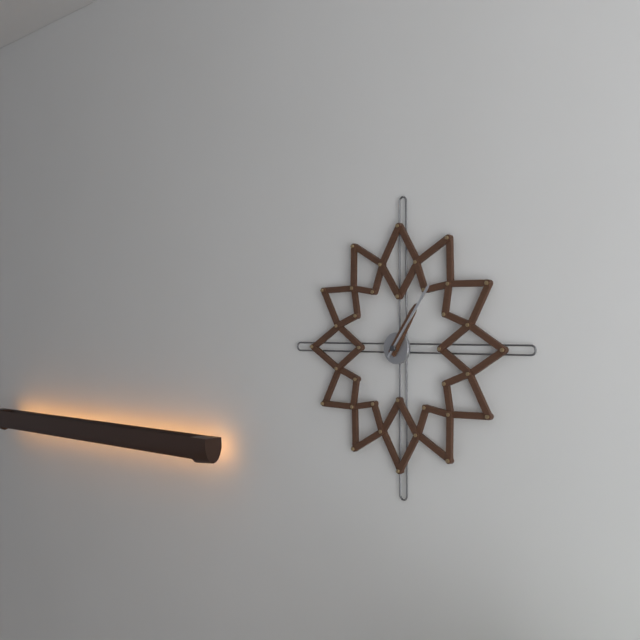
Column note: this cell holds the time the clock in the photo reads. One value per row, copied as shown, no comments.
1:06
